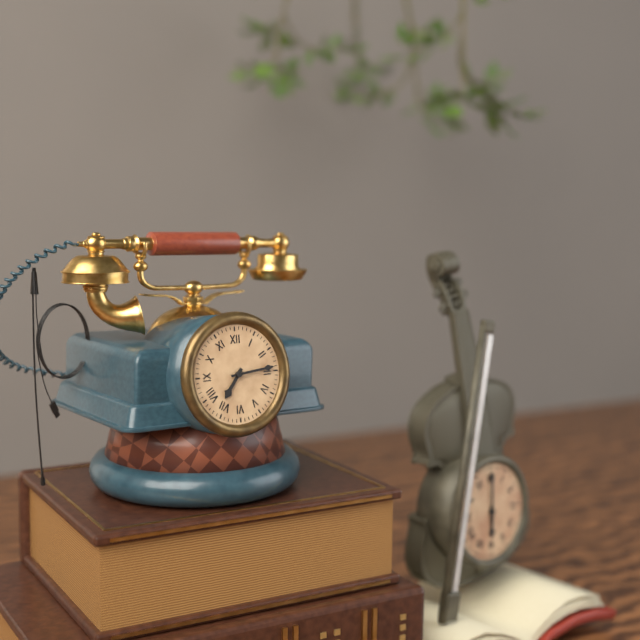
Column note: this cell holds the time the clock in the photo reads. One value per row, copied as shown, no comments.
7:14
